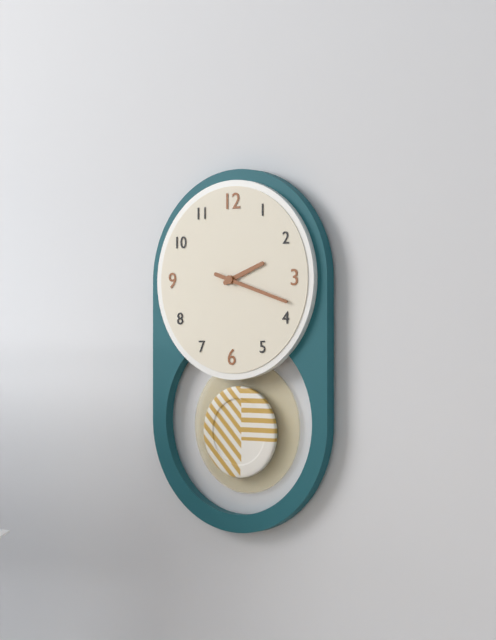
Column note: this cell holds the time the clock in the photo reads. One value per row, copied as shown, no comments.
2:18
